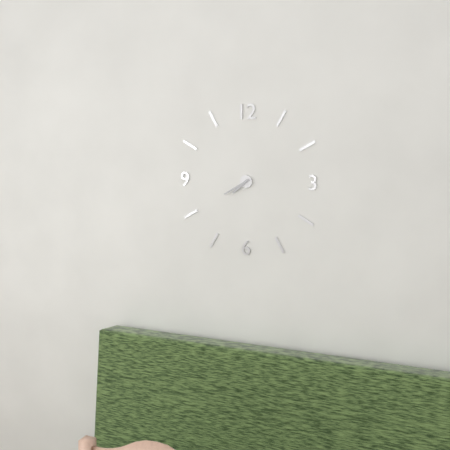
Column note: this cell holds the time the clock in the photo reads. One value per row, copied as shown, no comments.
7:40
